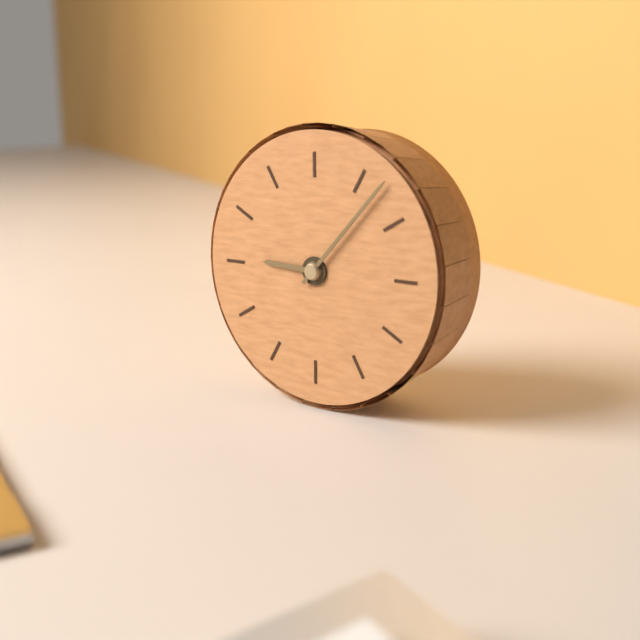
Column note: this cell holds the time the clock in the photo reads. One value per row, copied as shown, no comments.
9:07
